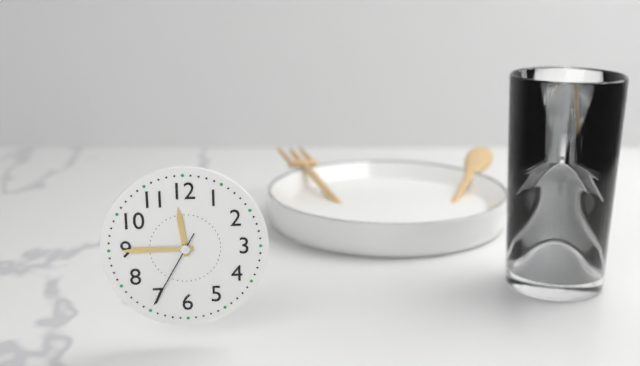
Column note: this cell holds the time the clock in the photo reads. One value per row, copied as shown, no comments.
11:45:35
